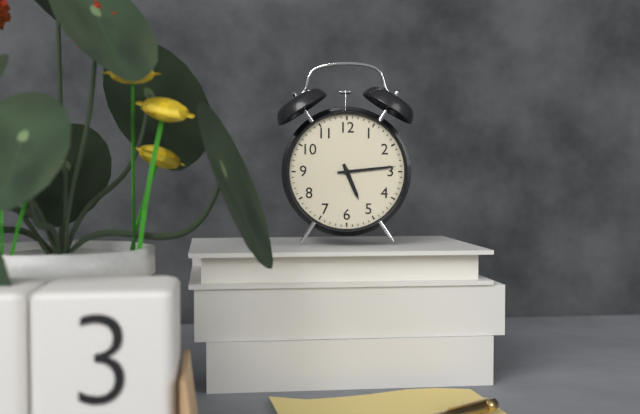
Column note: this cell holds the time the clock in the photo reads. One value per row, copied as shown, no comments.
5:14
